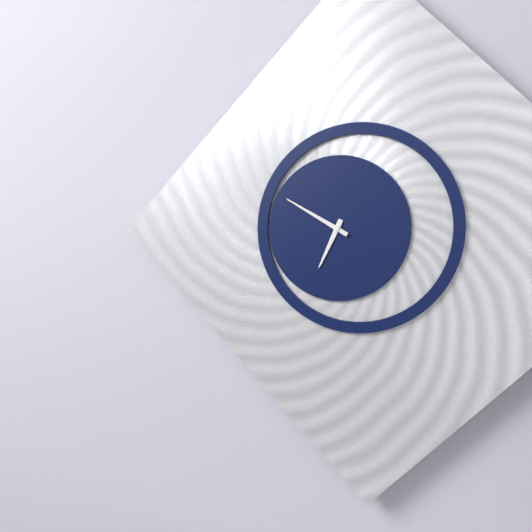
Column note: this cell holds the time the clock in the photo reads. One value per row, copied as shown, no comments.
6:50
